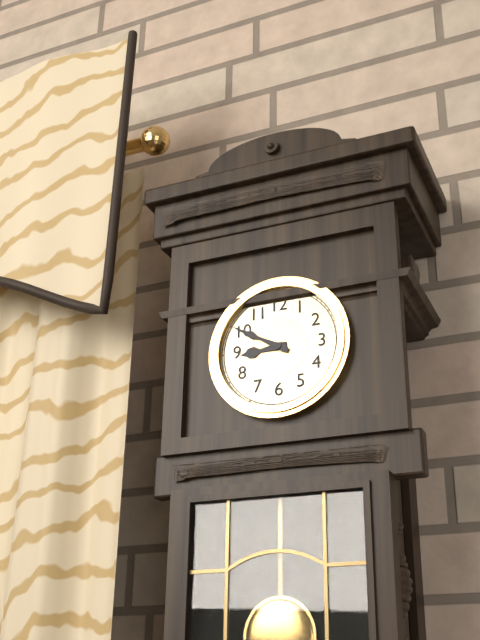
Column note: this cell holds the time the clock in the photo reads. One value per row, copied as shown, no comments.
8:50
